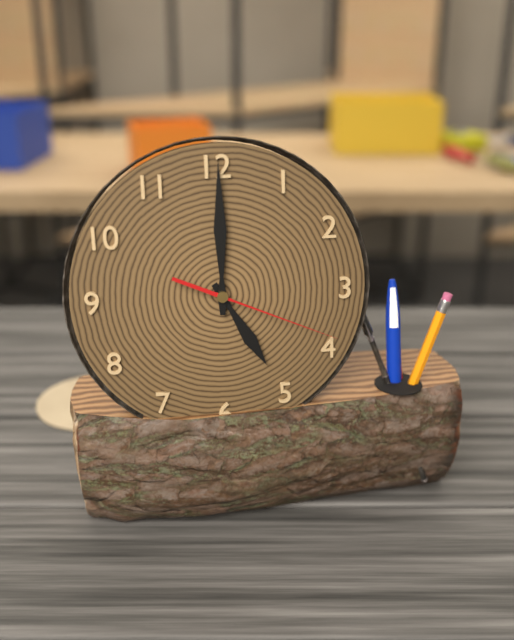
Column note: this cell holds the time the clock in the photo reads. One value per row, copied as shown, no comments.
5:00:19
